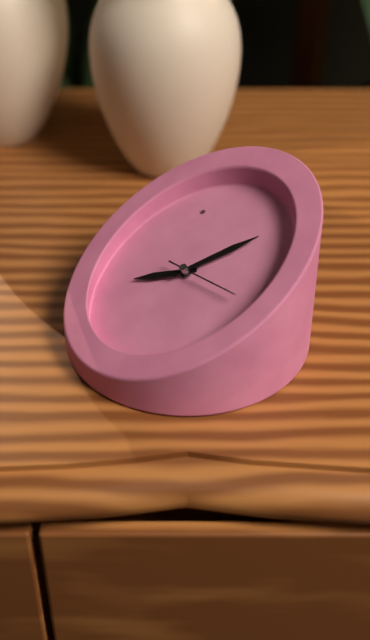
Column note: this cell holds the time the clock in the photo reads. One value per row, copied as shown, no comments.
10:18:27
